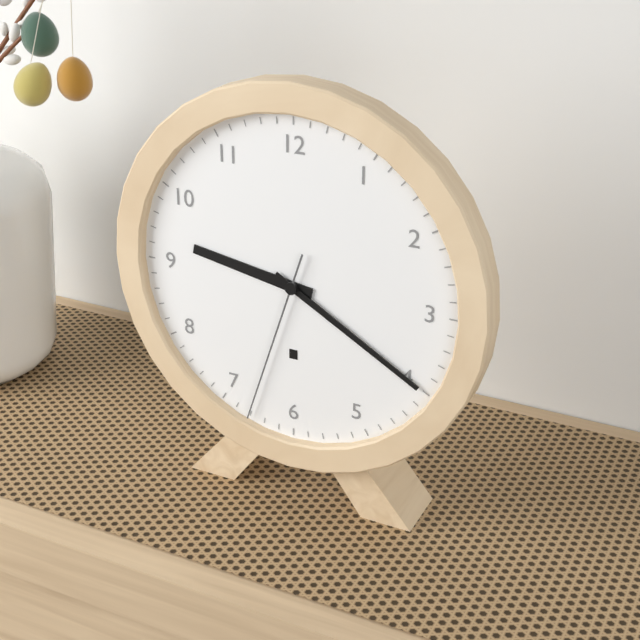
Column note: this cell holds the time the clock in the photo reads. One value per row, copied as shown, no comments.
9:20:33
